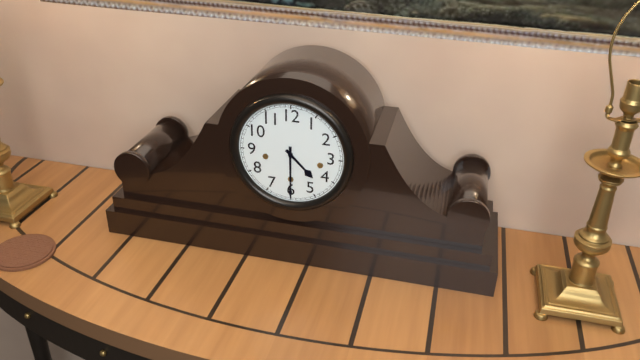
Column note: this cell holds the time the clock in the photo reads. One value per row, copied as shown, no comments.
4:30
